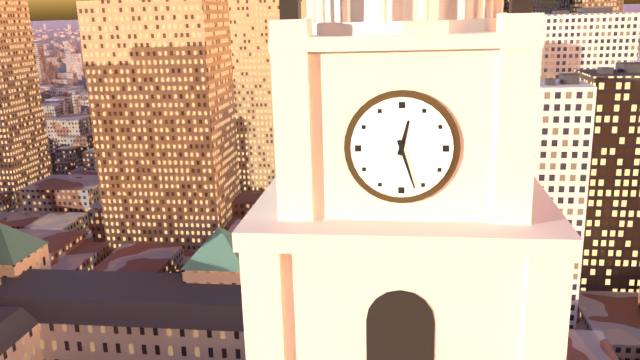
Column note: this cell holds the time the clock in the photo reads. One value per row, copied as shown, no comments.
12:27
